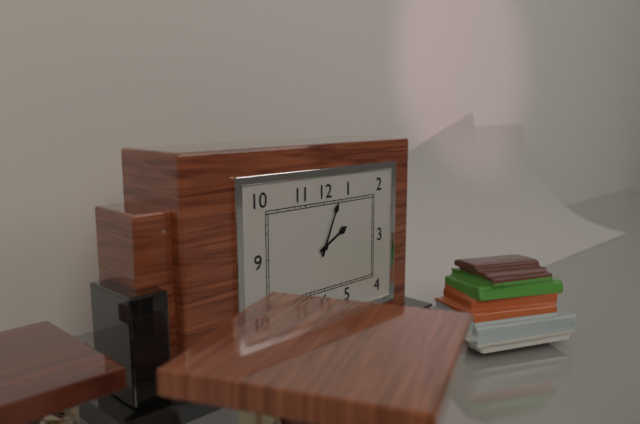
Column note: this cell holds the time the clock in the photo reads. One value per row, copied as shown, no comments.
2:04
